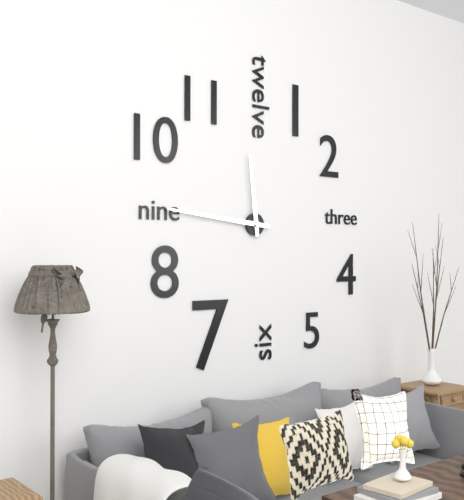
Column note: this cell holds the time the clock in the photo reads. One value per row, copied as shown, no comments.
11:46
